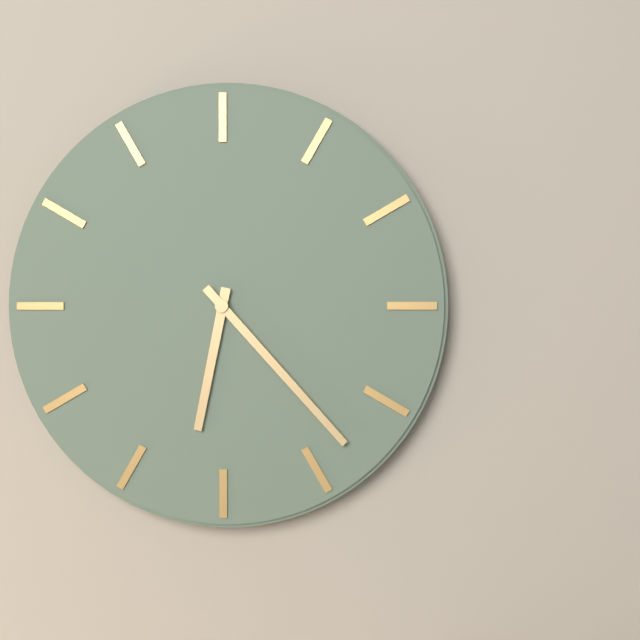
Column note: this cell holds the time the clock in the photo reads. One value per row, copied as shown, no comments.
6:23
